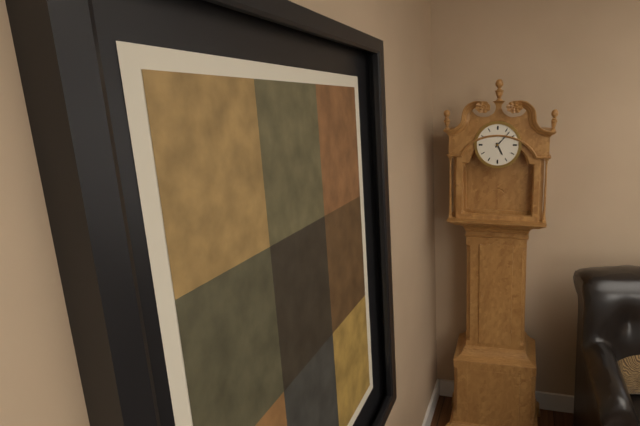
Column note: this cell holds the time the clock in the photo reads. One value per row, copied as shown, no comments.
5:07
